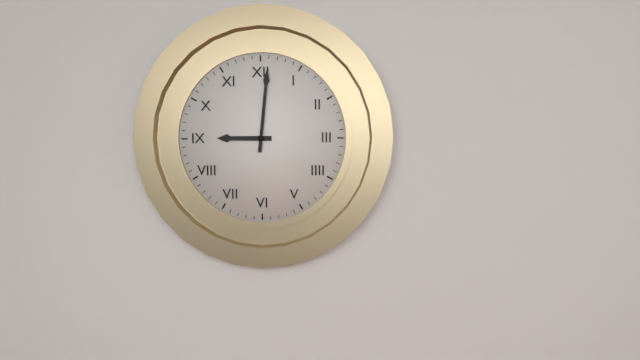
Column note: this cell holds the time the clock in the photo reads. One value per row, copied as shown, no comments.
9:01
